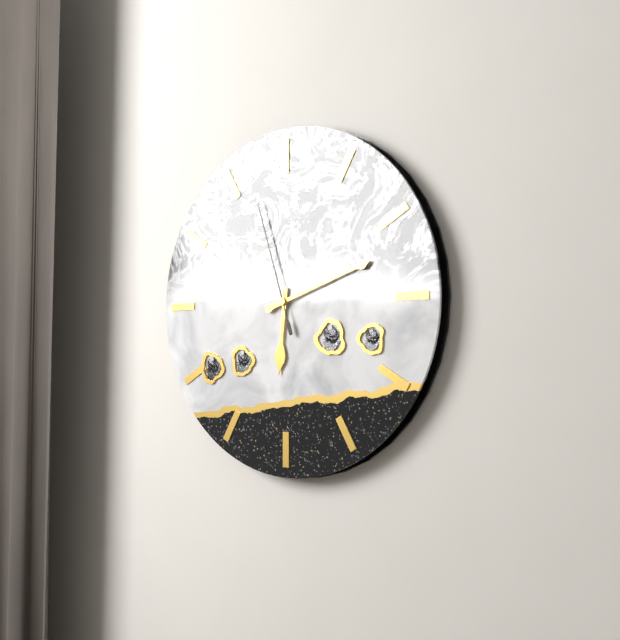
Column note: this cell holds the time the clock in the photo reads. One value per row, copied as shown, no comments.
6:12:57
